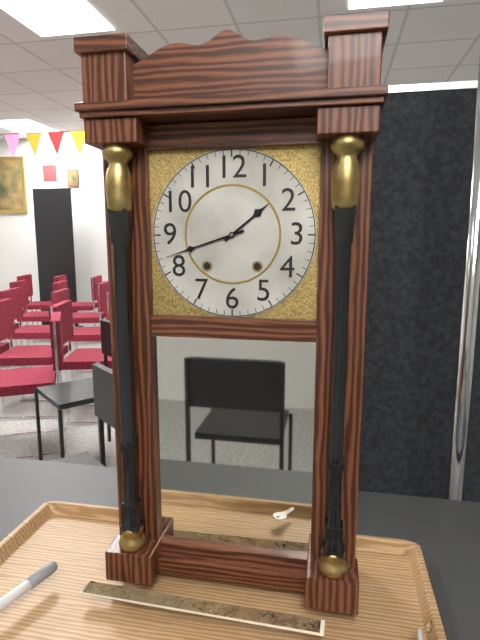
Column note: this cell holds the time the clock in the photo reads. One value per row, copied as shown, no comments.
1:42
